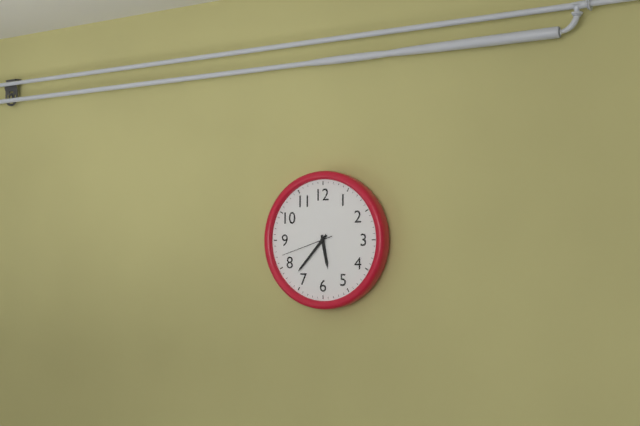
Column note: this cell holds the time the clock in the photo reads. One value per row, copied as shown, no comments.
5:37:42
